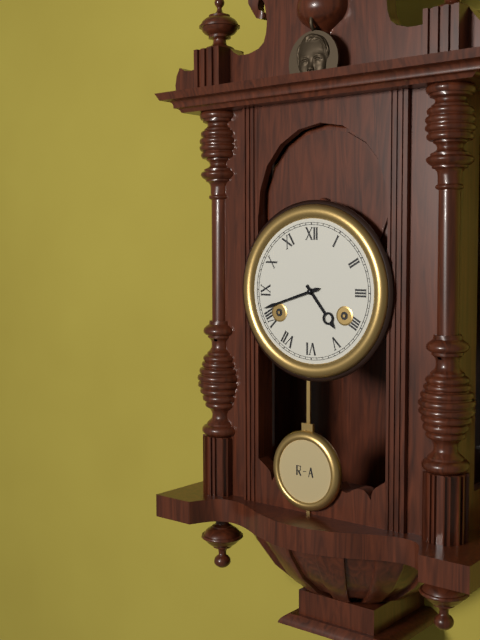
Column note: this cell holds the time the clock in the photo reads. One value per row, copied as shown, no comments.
4:42
